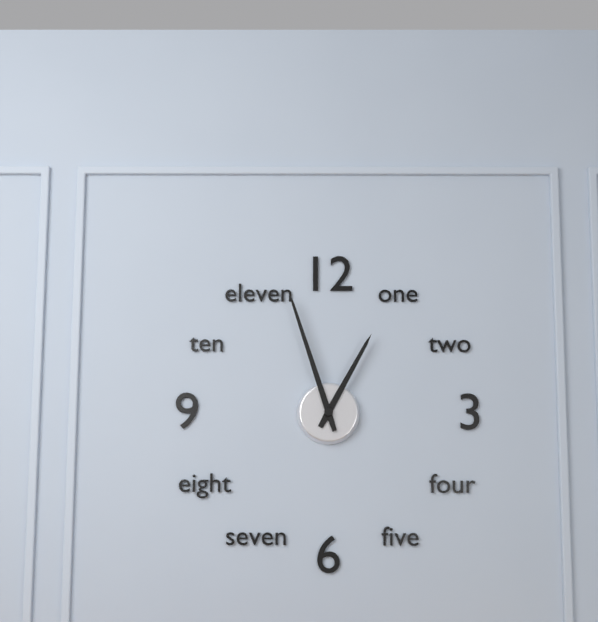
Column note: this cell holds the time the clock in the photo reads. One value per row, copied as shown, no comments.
12:57
